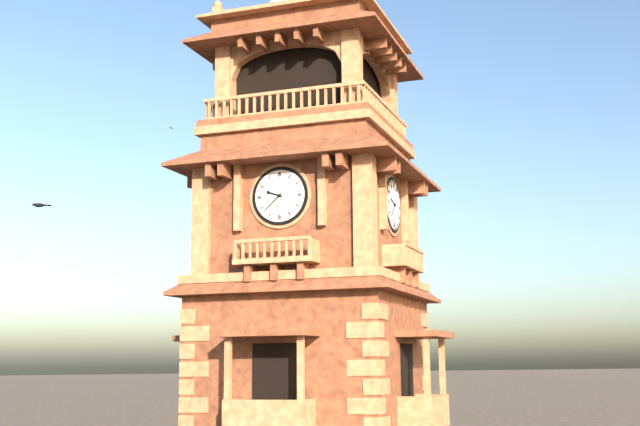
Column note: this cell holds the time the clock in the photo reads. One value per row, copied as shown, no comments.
9:38
